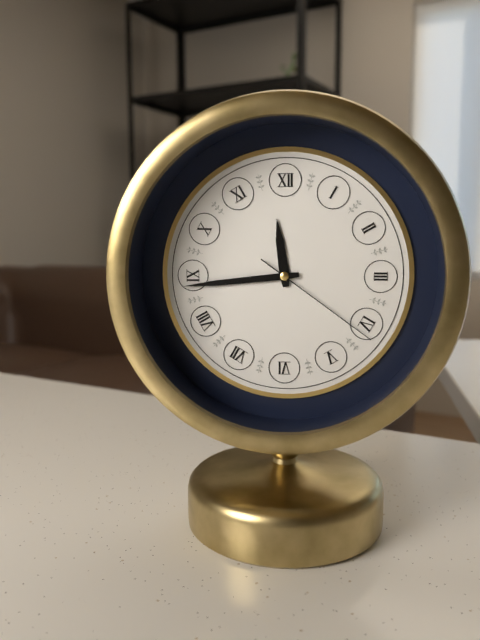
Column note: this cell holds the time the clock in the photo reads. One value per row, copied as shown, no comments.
11:44:21
